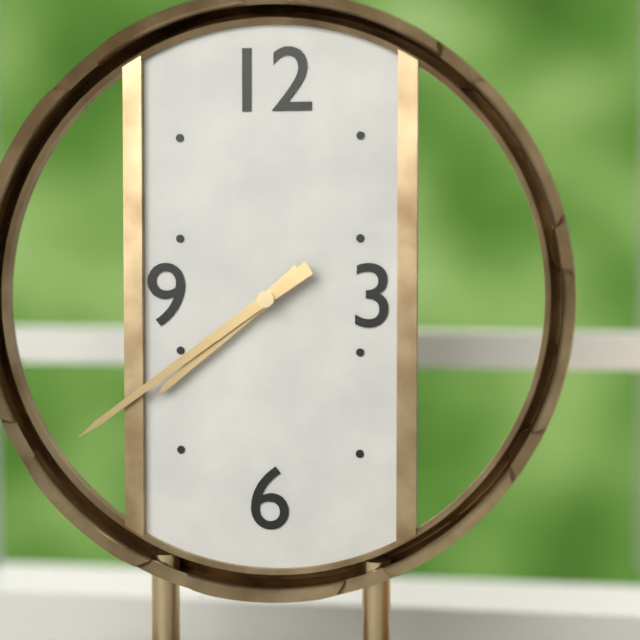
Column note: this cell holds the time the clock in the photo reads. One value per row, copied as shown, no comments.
7:39
